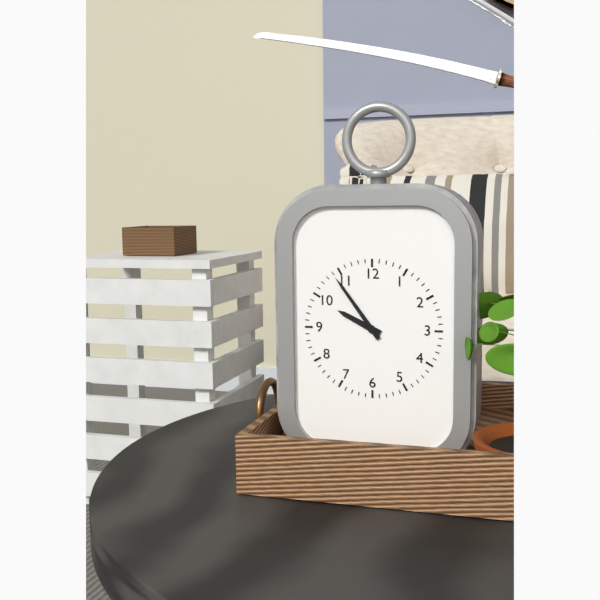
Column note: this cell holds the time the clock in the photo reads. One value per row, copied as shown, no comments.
9:54
